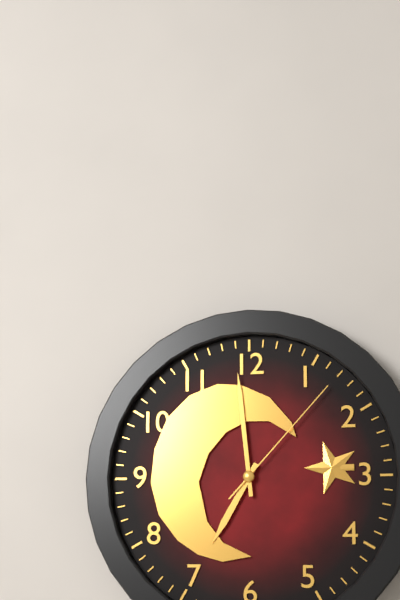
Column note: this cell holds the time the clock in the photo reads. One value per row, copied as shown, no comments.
6:59:07
